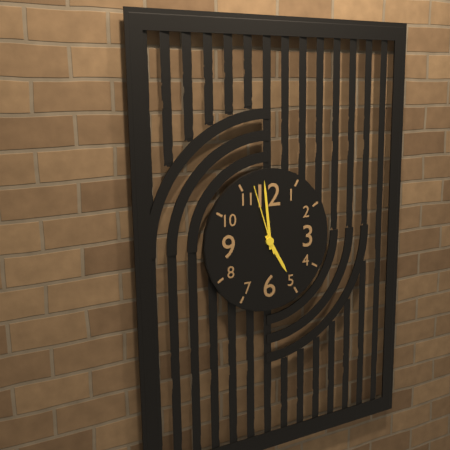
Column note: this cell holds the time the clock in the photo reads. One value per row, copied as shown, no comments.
4:59:57
